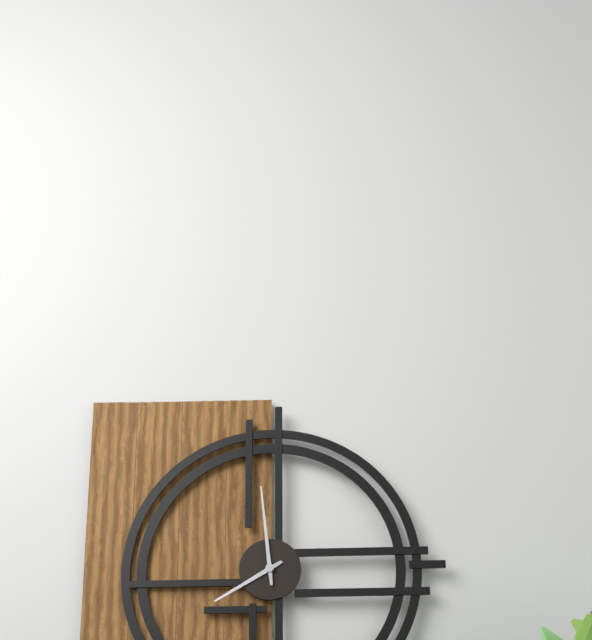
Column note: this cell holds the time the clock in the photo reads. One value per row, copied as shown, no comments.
7:59
